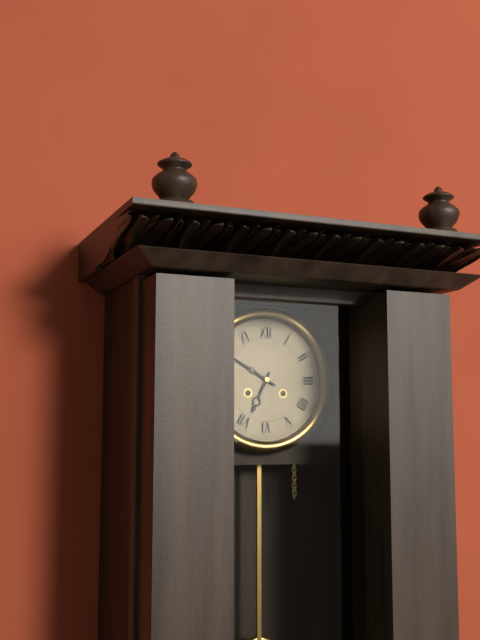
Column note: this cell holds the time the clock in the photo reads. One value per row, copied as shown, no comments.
6:50
